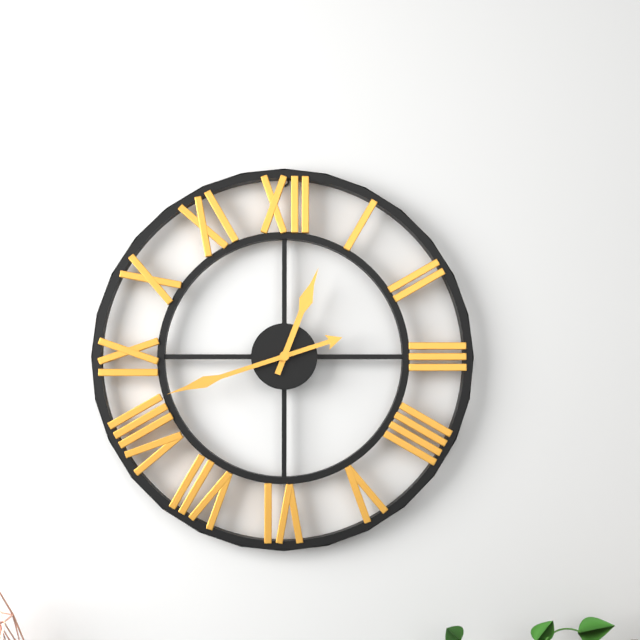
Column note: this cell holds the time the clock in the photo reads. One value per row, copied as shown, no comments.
12:42
